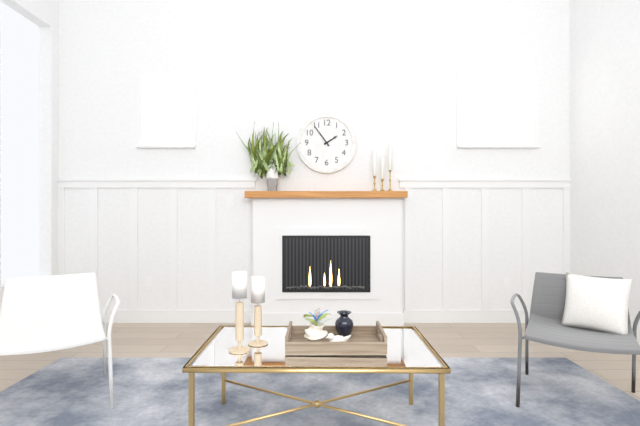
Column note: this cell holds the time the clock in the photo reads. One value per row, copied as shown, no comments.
1:54
